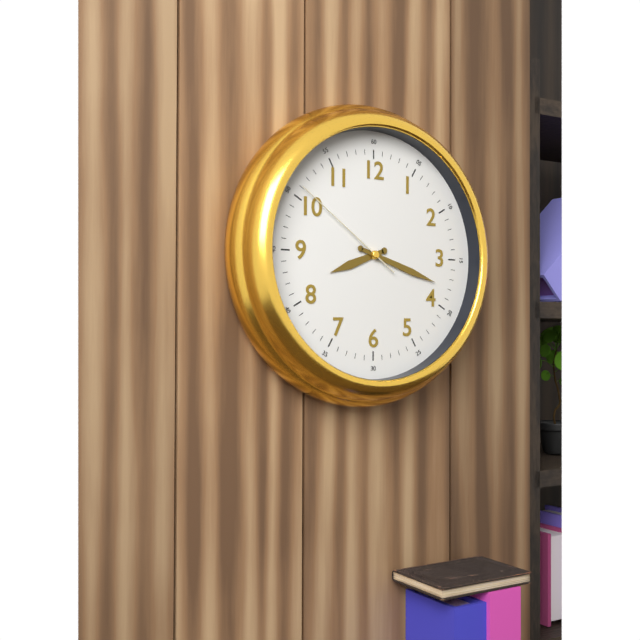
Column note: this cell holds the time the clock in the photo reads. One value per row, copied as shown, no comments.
8:18:51
